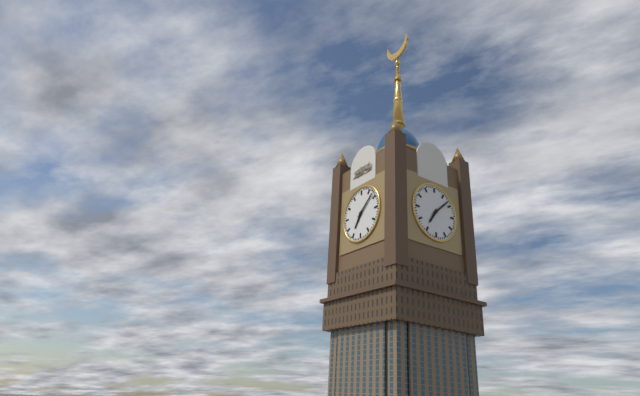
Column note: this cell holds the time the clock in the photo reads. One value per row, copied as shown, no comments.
7:08
